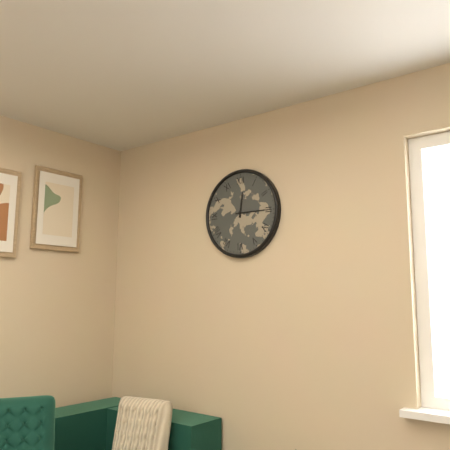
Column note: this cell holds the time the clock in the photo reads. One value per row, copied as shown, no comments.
12:15
